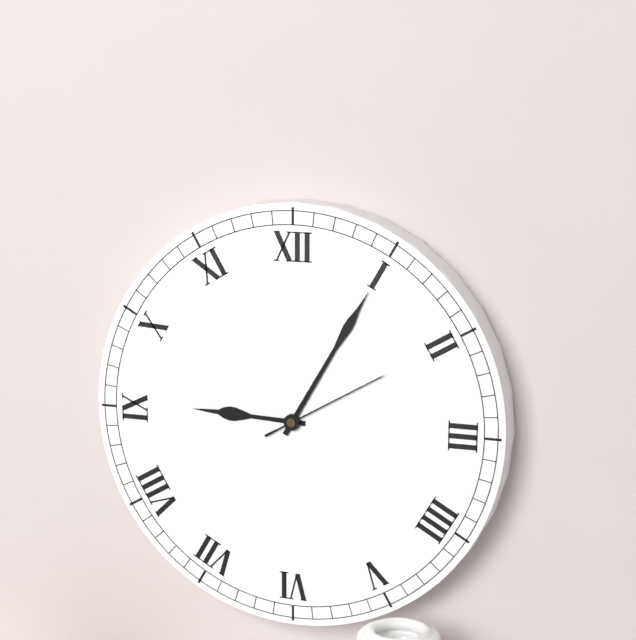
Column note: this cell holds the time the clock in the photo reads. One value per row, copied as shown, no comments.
9:05:10
